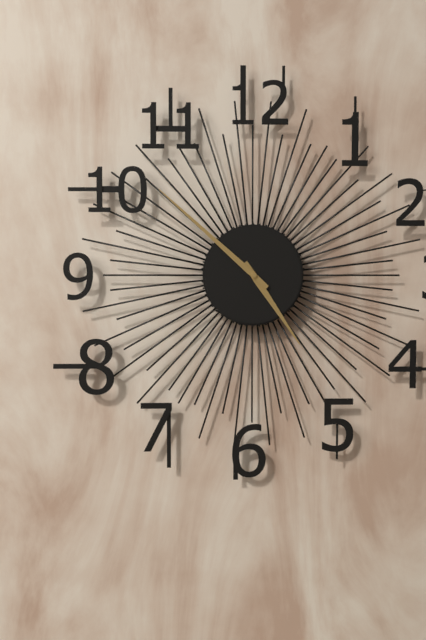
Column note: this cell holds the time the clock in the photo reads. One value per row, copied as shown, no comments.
4:52
